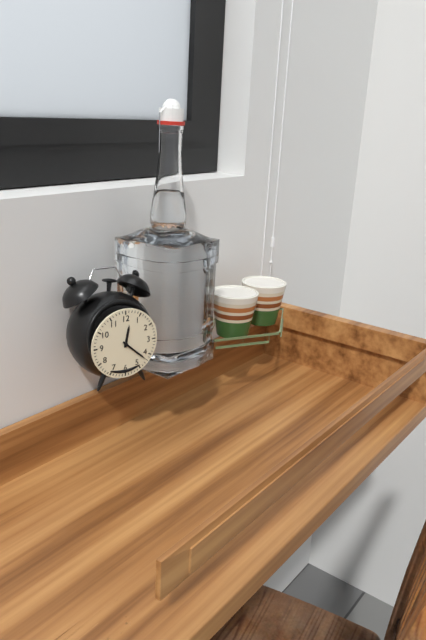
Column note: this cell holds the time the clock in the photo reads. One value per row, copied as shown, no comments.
12:22
